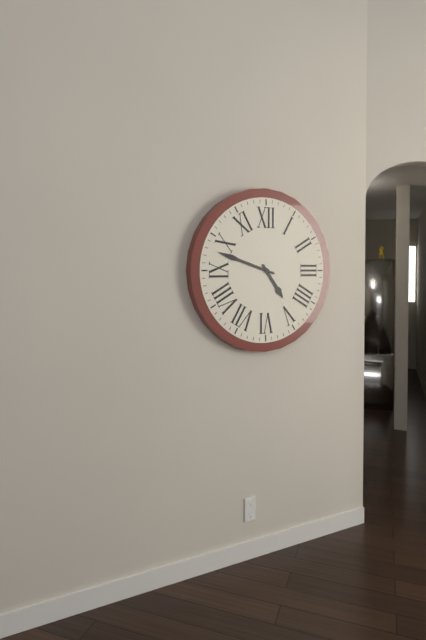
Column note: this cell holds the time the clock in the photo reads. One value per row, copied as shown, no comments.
4:48
